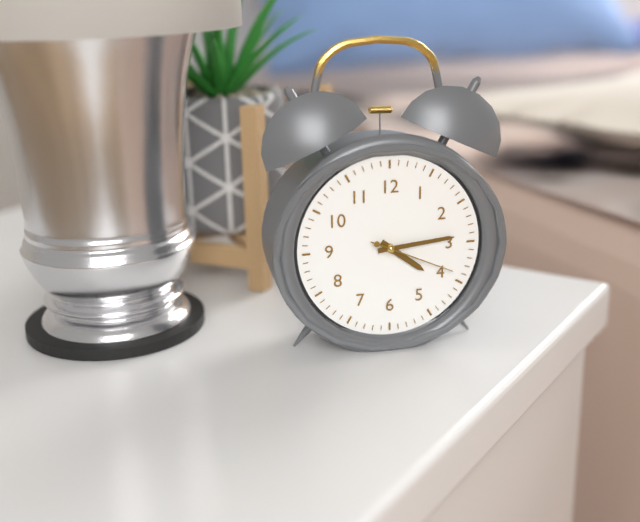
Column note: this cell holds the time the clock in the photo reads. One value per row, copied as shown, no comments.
4:14:19
